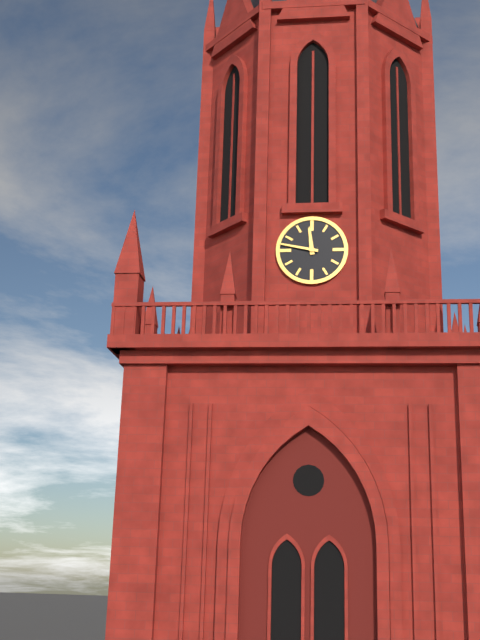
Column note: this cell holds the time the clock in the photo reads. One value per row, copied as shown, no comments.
11:47
